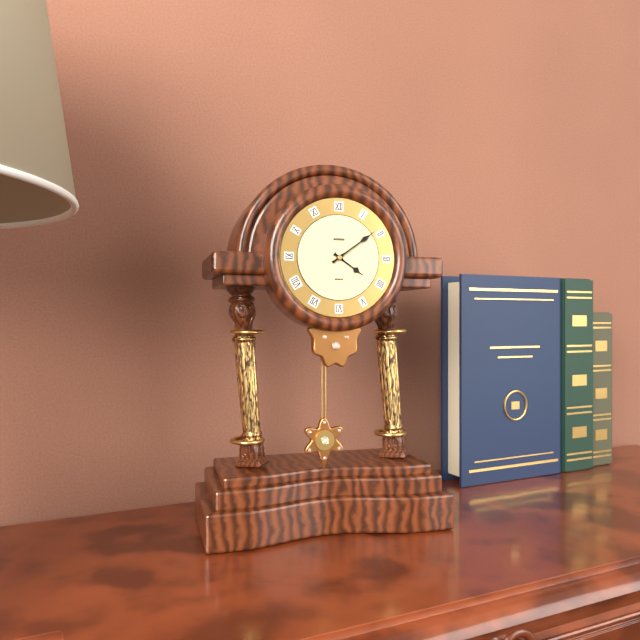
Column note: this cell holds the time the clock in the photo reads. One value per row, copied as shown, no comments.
4:09
